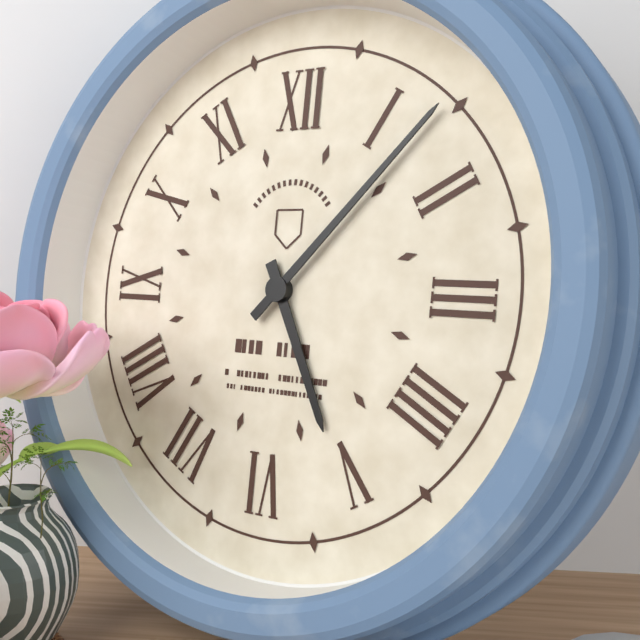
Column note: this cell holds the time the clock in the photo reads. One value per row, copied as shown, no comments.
5:07
